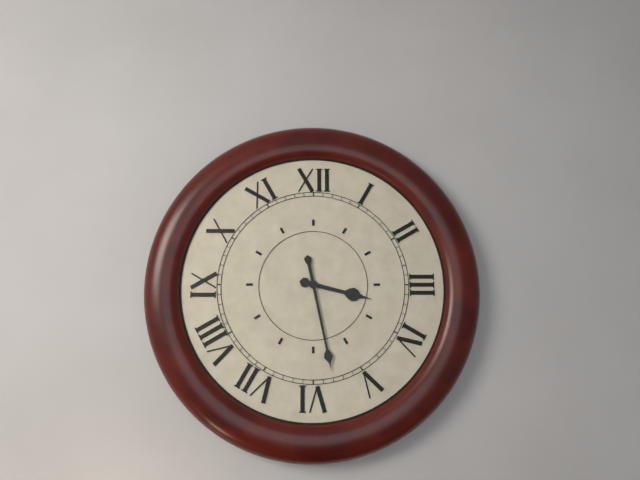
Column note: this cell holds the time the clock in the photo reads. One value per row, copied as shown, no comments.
3:28
